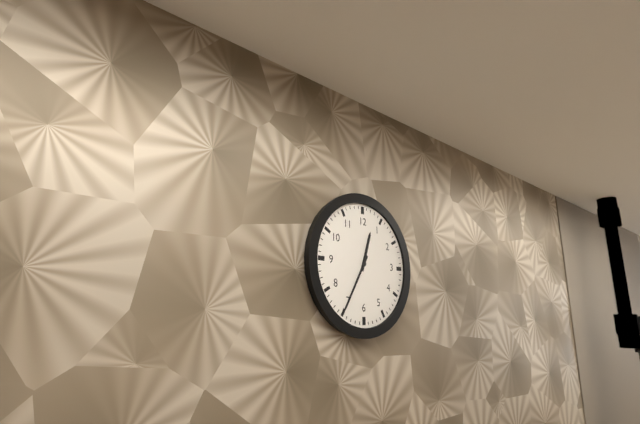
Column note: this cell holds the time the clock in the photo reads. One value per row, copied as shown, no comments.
12:35
